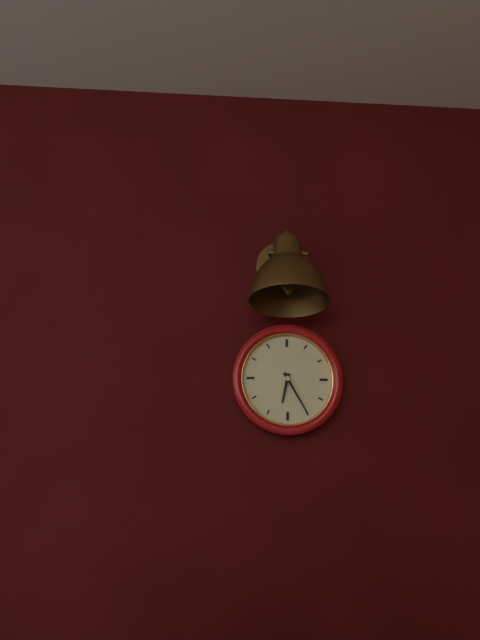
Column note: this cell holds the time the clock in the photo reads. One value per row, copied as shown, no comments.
6:25
